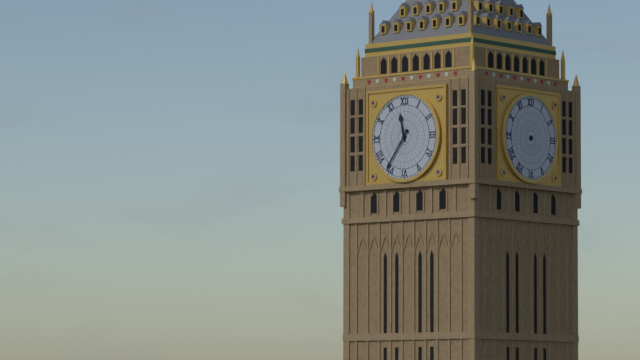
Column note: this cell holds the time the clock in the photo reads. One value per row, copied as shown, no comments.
11:36
